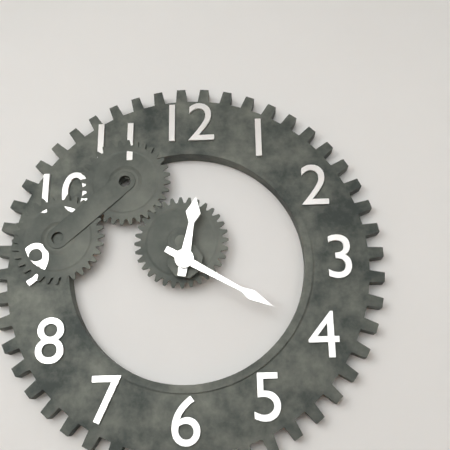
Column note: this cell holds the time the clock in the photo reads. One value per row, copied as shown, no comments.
12:20
